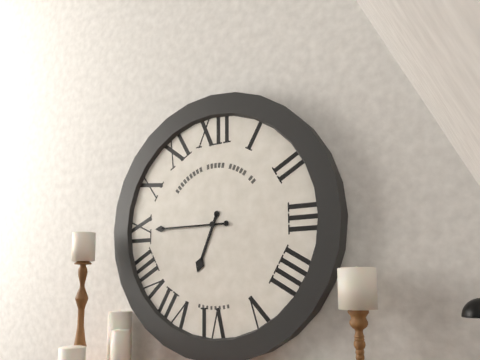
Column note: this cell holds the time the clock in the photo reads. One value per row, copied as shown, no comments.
6:45
